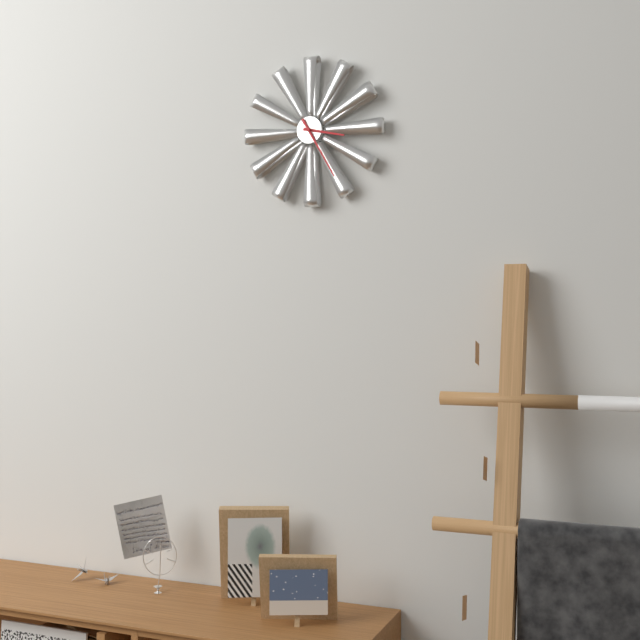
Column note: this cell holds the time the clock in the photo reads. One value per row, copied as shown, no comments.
3:25
